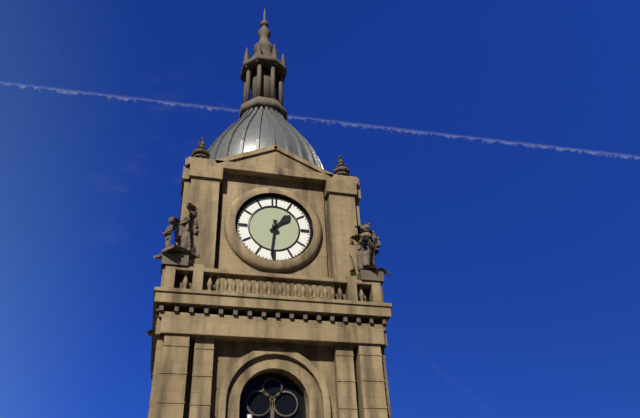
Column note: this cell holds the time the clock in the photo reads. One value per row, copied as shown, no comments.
1:31
